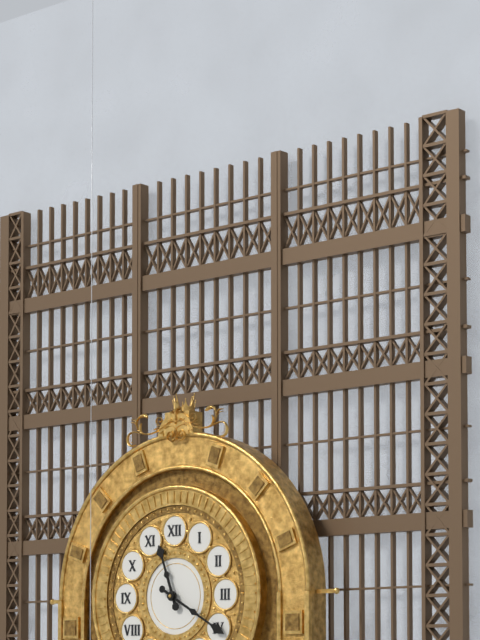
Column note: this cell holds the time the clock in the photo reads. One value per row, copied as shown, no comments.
11:20
